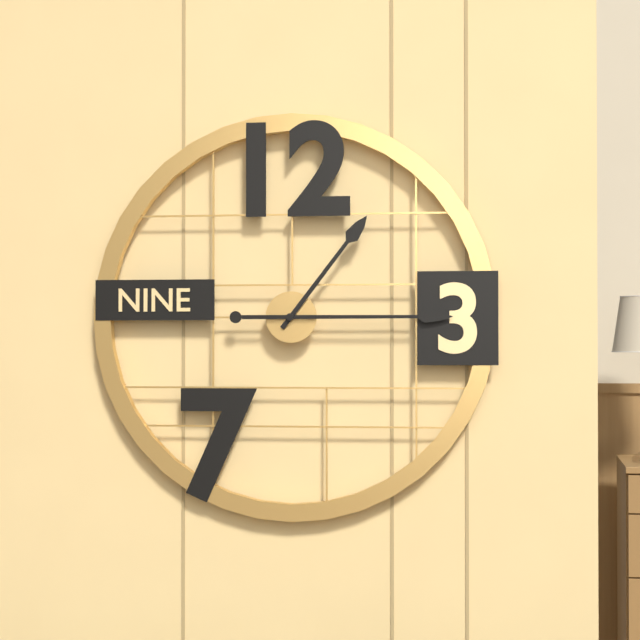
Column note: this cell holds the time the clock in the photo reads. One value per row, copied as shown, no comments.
1:15
